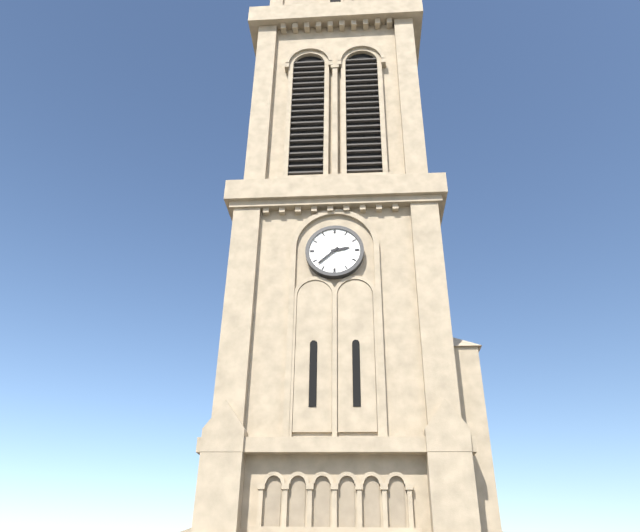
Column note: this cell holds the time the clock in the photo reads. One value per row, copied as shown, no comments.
2:38
